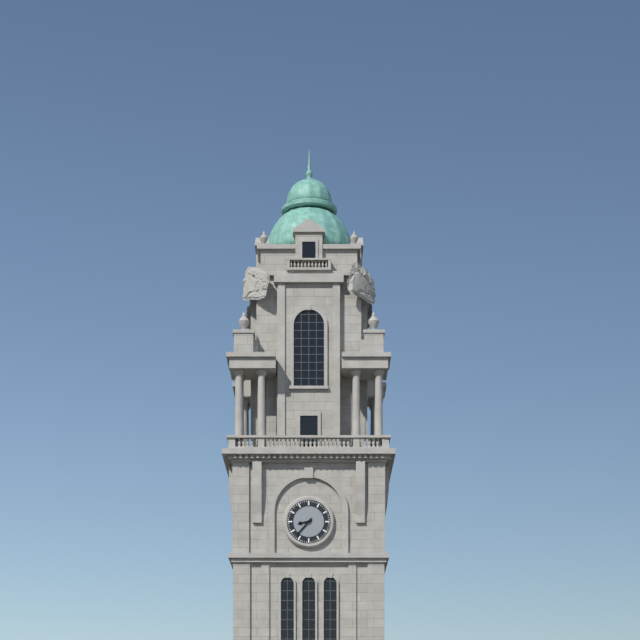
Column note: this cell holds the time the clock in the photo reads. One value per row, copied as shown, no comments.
8:37
